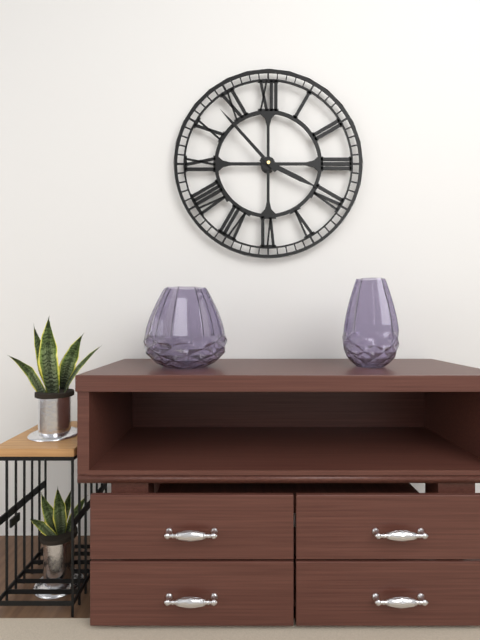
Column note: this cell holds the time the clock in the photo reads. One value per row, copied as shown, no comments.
3:53
